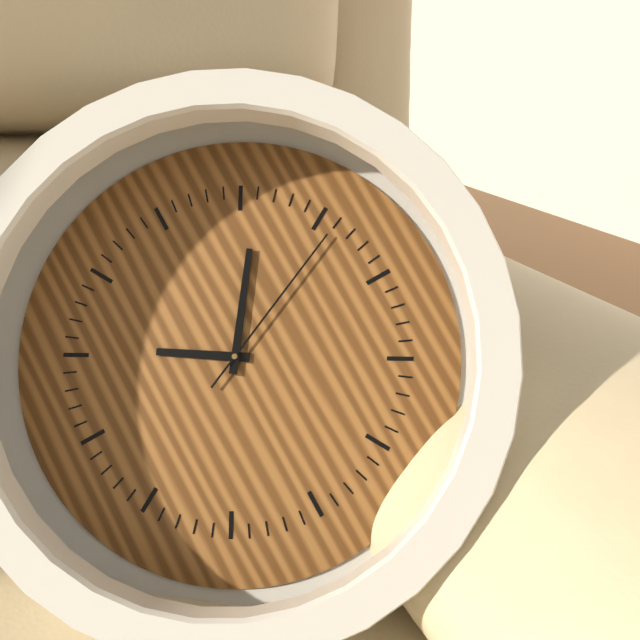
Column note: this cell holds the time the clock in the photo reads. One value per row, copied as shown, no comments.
10:06:11
